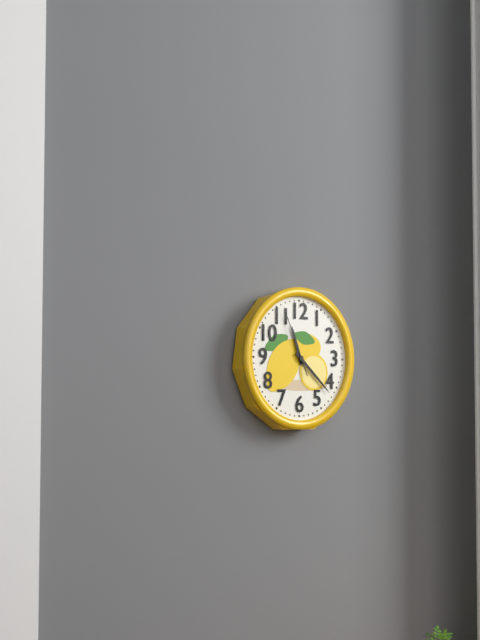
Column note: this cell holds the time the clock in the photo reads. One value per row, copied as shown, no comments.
11:22:56
